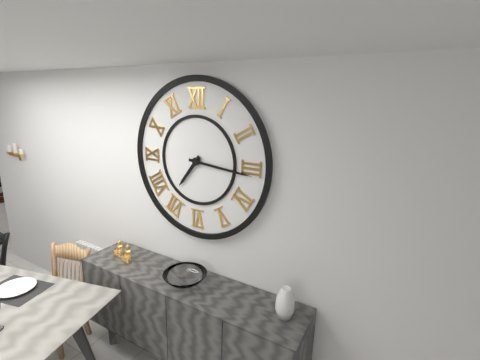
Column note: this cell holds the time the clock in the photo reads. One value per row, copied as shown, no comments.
7:16
